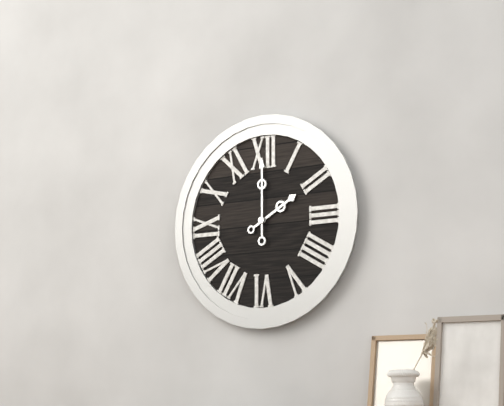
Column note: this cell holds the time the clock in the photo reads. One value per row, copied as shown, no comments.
2:00
